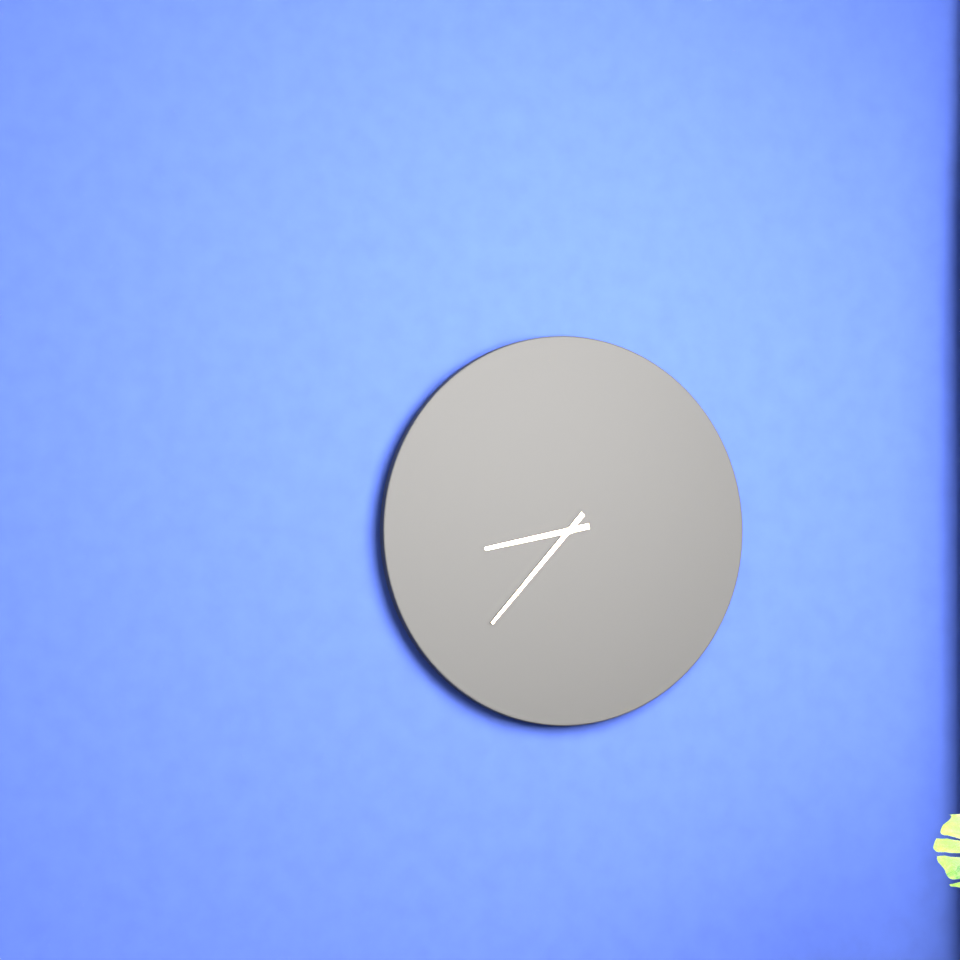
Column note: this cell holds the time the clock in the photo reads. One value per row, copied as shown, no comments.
8:37
